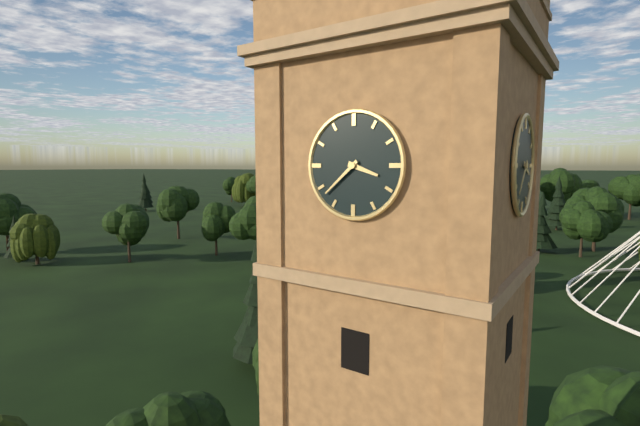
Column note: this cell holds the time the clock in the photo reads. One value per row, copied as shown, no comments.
3:38
